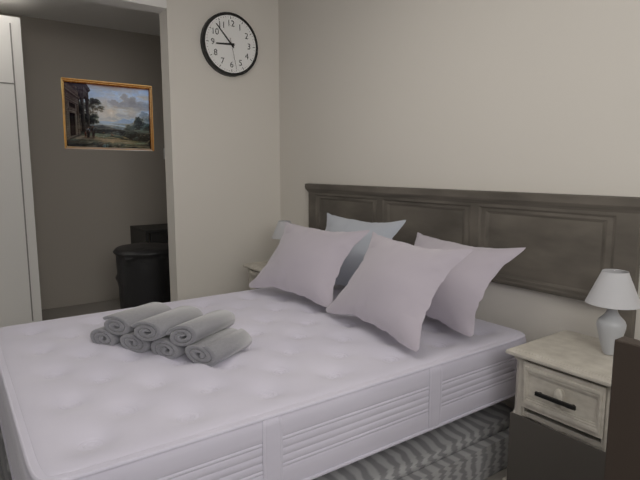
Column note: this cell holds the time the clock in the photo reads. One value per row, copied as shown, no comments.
8:53
